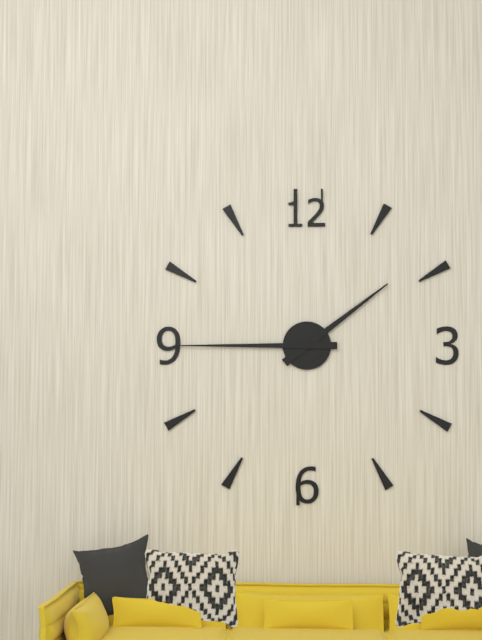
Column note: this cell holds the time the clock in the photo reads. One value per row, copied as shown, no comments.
1:45
